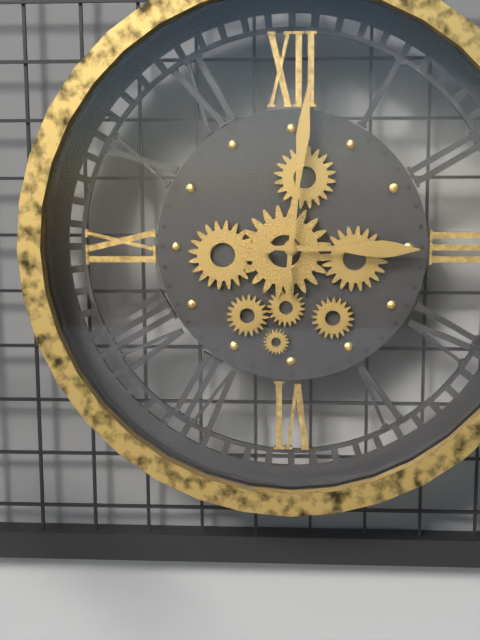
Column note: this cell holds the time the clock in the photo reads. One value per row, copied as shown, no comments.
3:01
